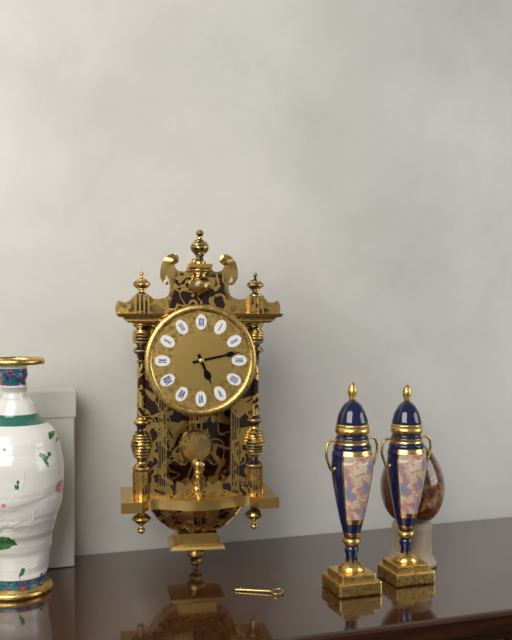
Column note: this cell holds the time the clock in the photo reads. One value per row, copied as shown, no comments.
5:13
